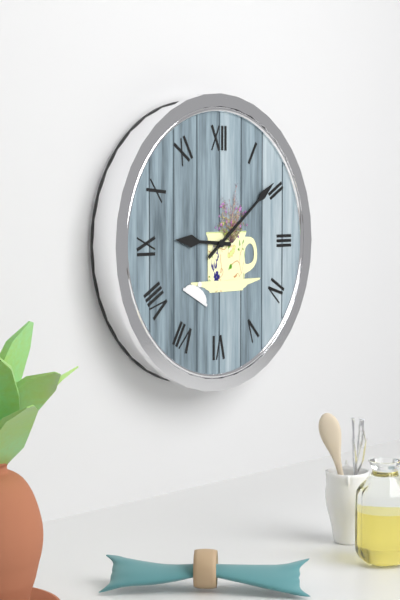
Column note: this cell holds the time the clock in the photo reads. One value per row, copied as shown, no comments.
9:09
